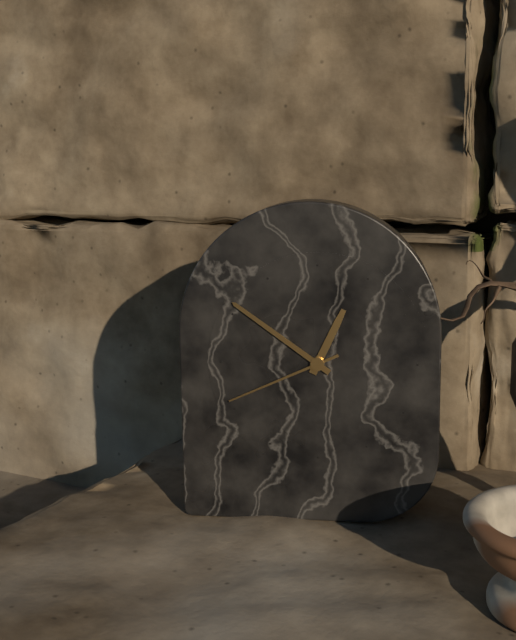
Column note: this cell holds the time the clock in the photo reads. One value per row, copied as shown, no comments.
12:51:41
